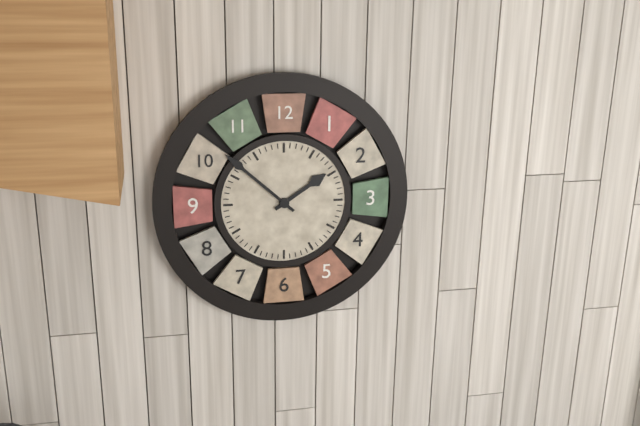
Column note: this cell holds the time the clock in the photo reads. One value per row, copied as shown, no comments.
1:52
